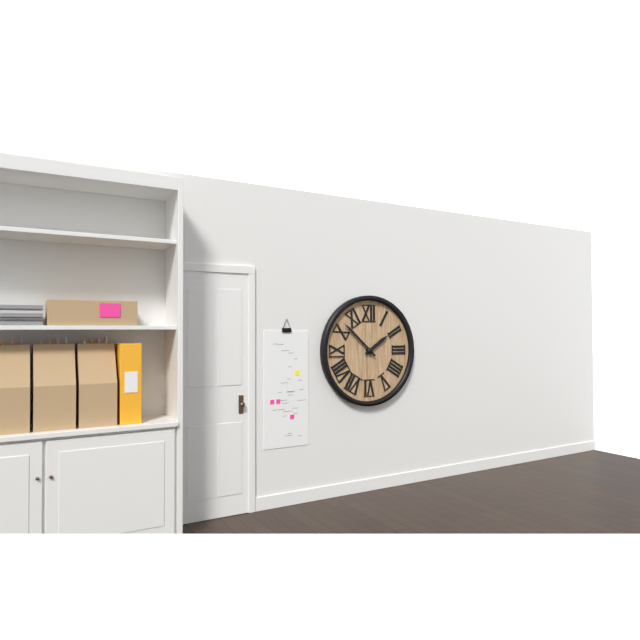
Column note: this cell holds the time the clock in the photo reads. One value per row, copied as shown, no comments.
1:52
